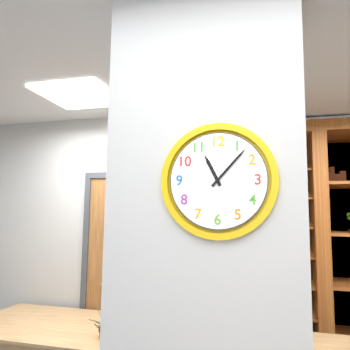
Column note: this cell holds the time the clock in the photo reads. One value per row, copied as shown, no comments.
11:07
